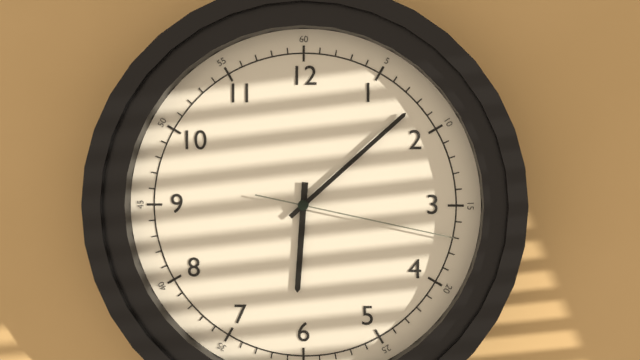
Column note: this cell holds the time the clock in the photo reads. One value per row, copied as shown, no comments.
6:08:17
